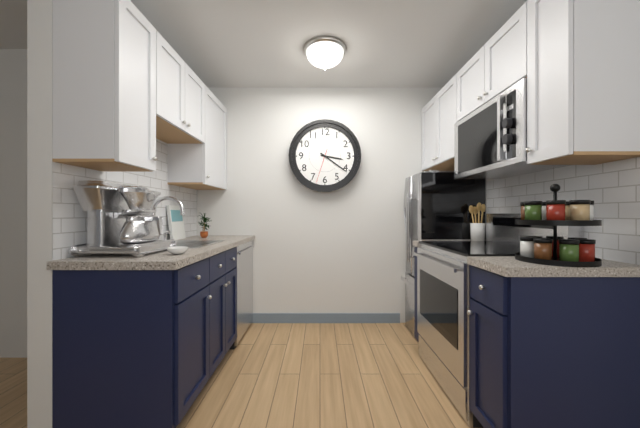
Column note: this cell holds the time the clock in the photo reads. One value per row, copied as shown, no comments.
3:21
